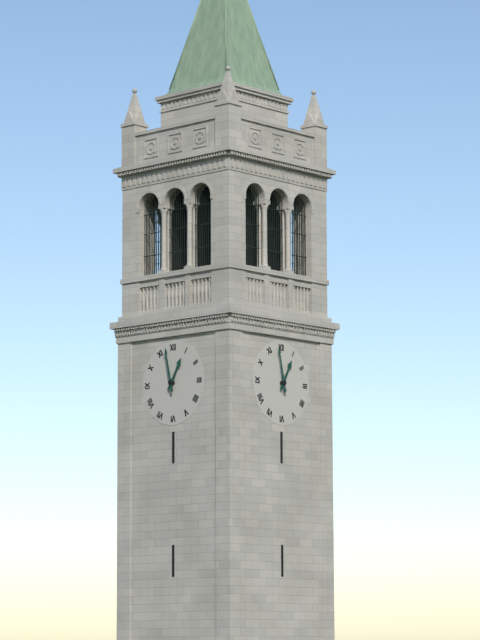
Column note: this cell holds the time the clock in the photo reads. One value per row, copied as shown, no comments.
12:58
